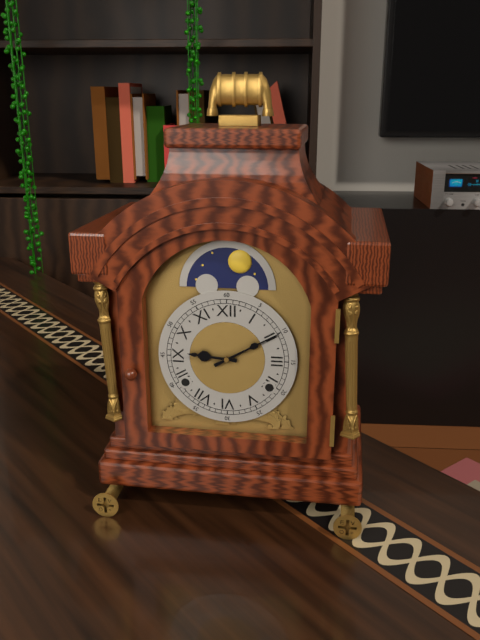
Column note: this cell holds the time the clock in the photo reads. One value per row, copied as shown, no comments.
9:10
